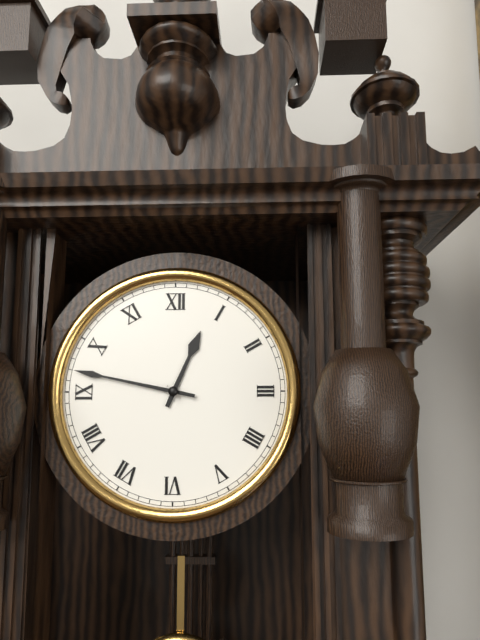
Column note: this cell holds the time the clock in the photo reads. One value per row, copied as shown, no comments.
12:47
